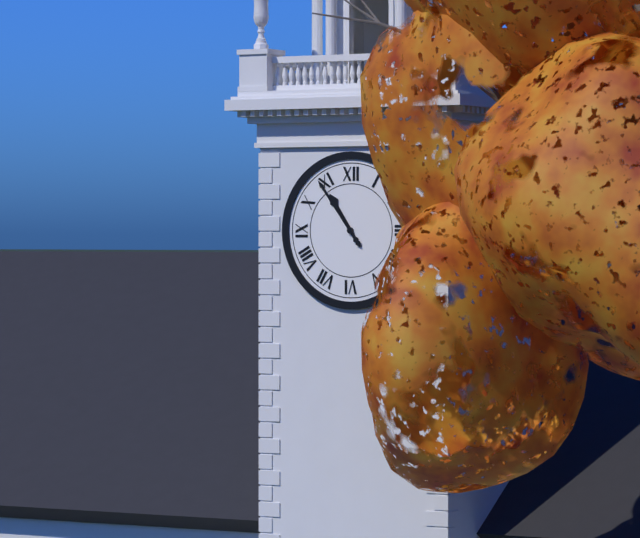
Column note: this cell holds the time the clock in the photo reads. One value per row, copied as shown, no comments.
10:54
